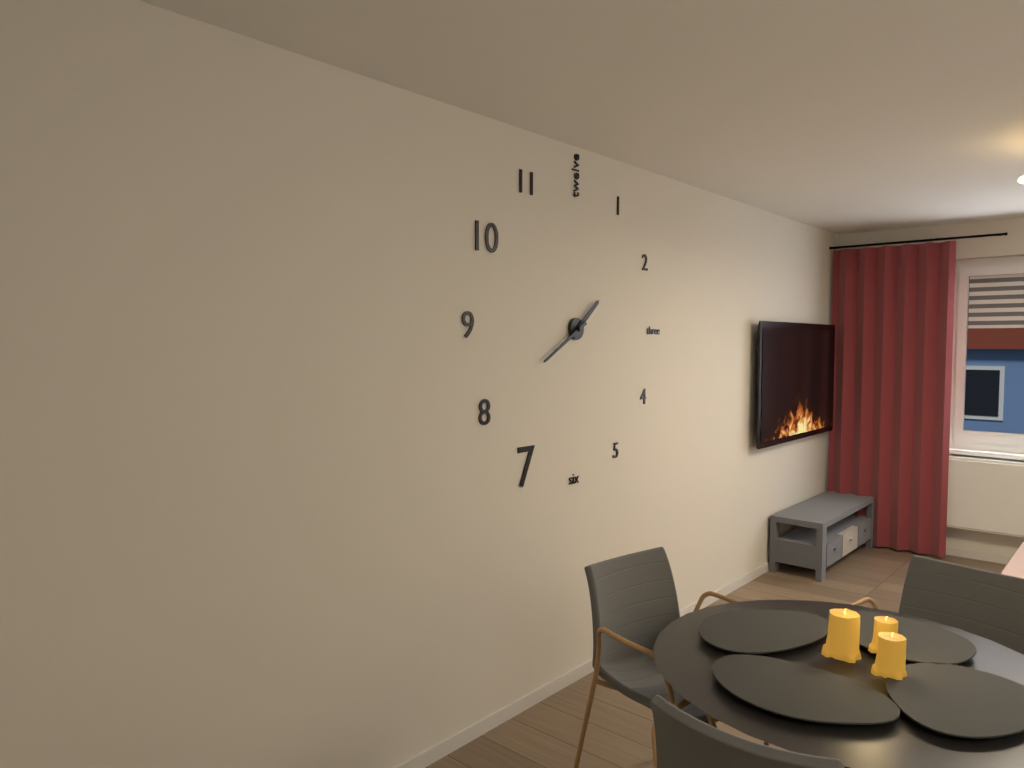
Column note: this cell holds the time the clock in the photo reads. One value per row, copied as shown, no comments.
1:40
